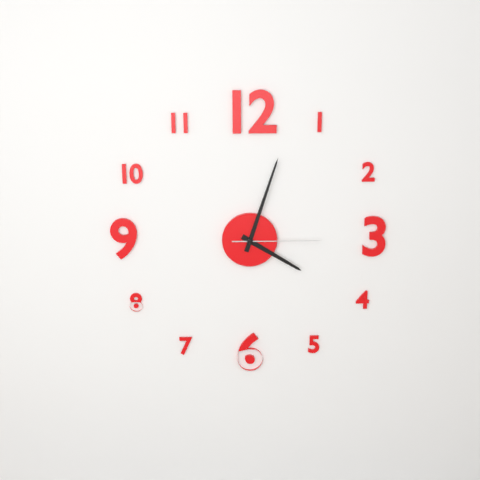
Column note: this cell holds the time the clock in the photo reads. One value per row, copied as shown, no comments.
4:03:15
